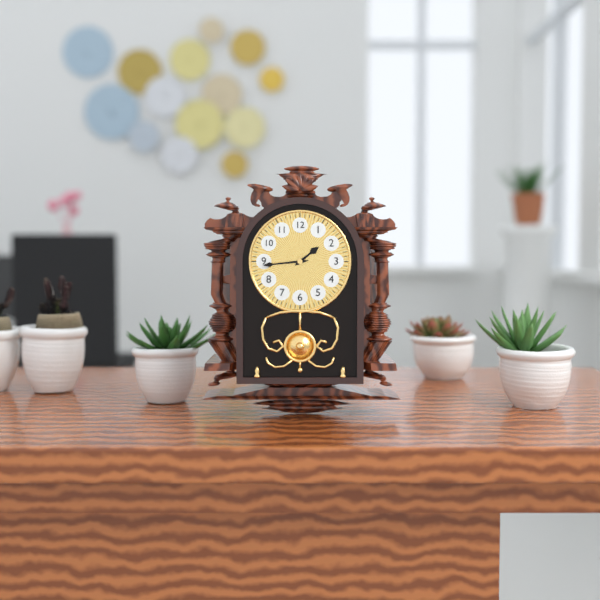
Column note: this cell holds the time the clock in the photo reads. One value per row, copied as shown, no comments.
1:44
